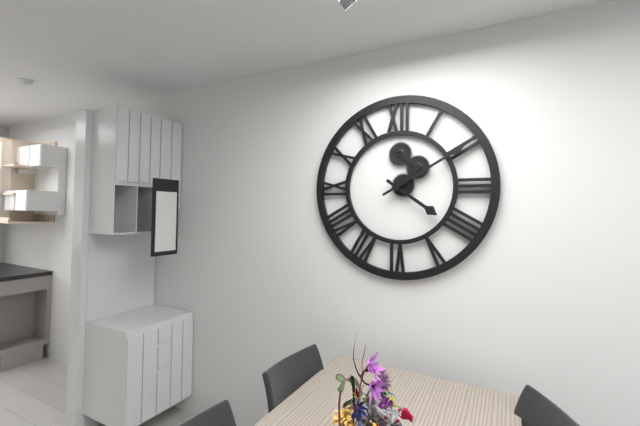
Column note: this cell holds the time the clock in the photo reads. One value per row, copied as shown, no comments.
4:10
